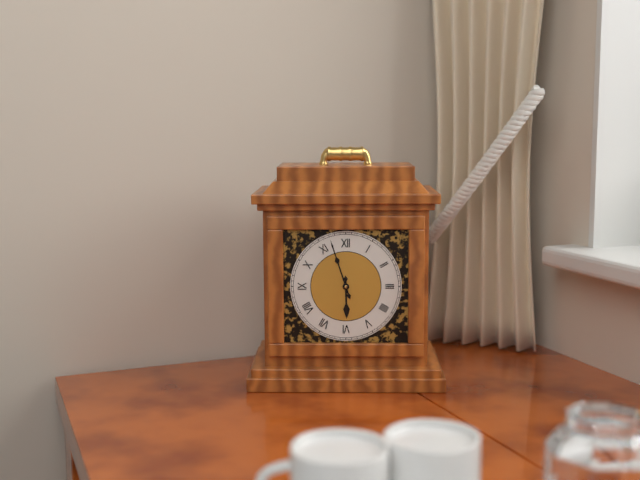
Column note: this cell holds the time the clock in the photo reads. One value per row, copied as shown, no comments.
5:57
